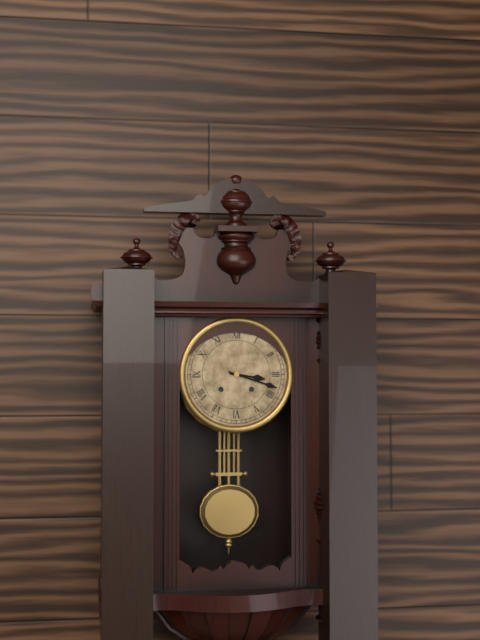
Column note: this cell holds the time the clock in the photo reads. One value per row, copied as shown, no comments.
3:18
